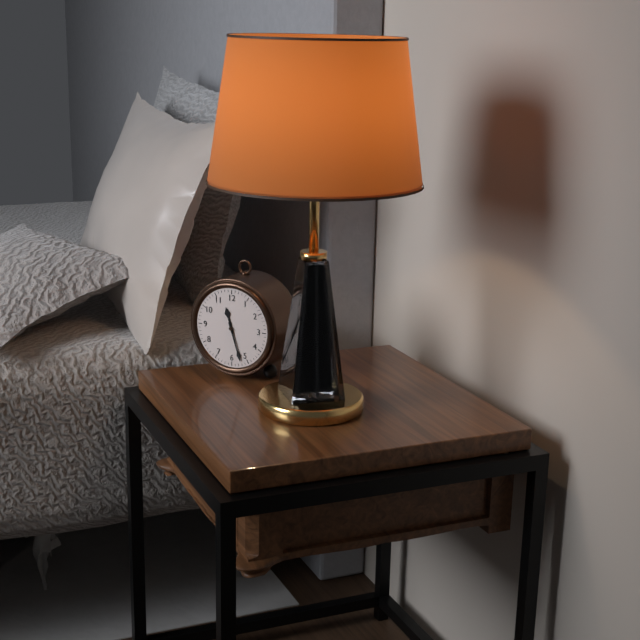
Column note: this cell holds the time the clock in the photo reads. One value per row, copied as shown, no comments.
11:27
